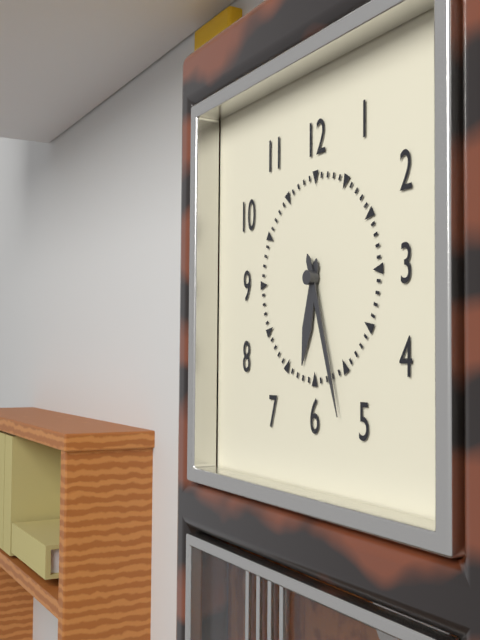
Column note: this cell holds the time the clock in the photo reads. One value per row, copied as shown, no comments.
6:27
